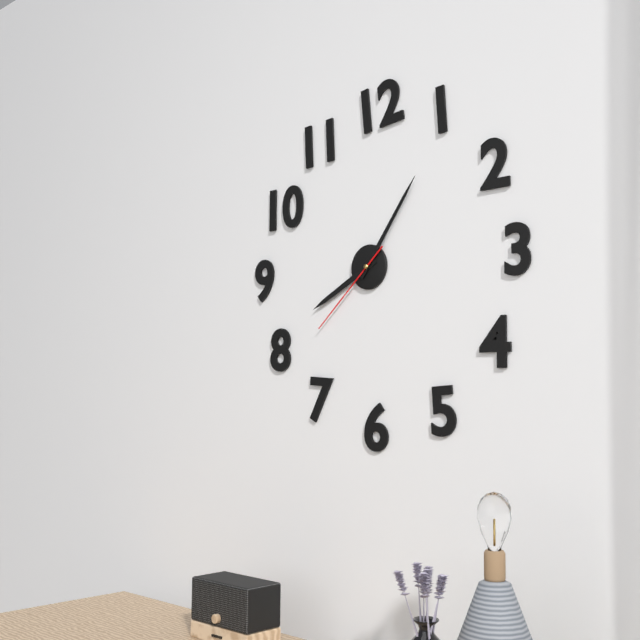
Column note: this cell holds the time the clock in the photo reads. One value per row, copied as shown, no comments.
8:06:38
